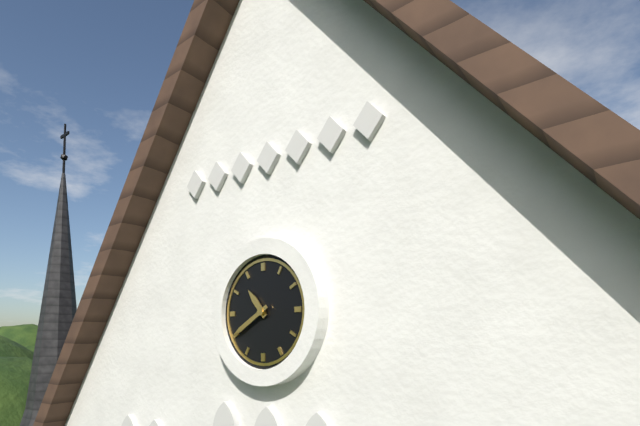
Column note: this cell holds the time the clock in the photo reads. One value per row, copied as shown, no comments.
10:40
